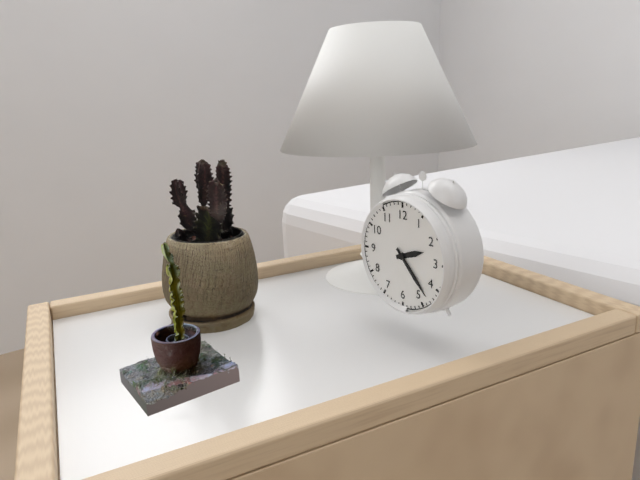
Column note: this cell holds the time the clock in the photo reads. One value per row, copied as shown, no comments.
2:23
